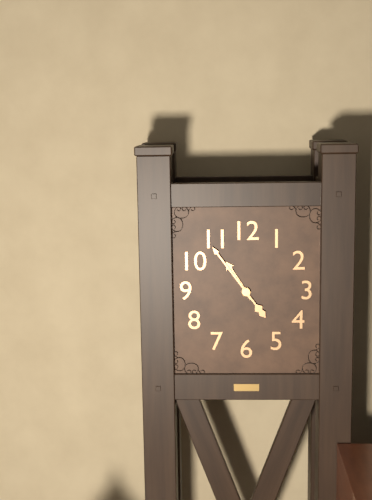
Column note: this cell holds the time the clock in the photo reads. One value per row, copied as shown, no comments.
10:54
